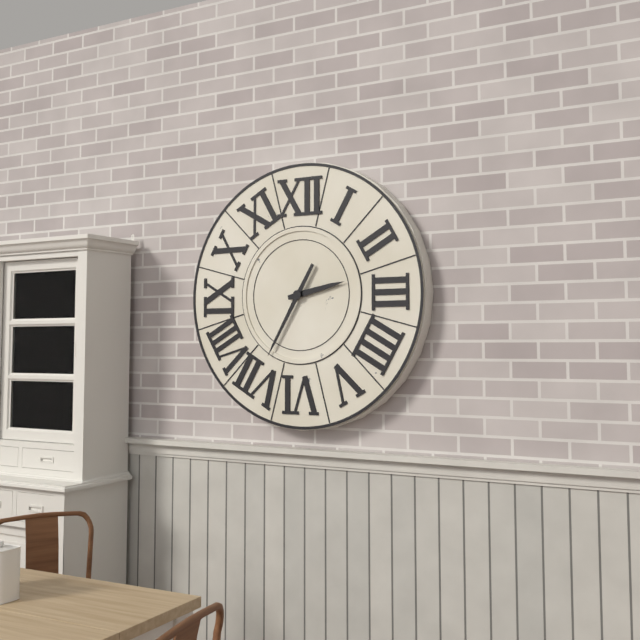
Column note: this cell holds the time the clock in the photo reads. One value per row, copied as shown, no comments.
2:35
